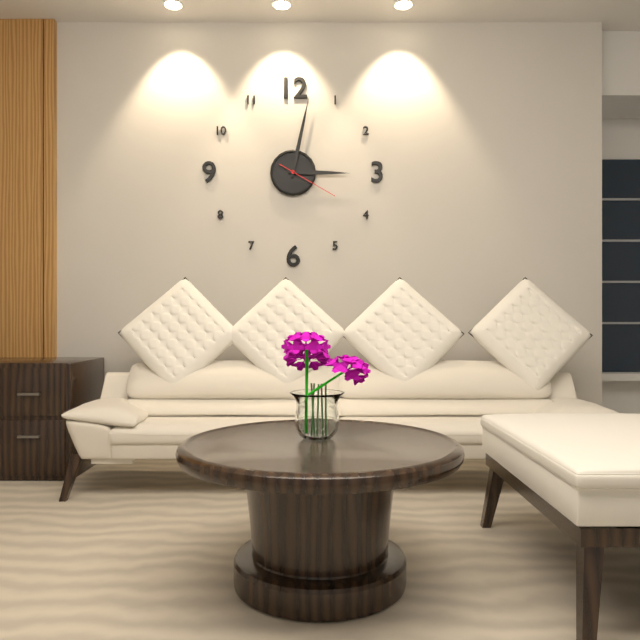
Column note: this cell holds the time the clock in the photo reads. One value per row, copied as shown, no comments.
3:02:20
